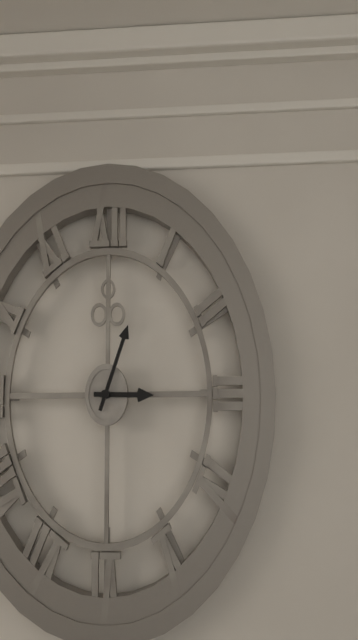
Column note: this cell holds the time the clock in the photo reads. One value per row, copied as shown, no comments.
3:03
